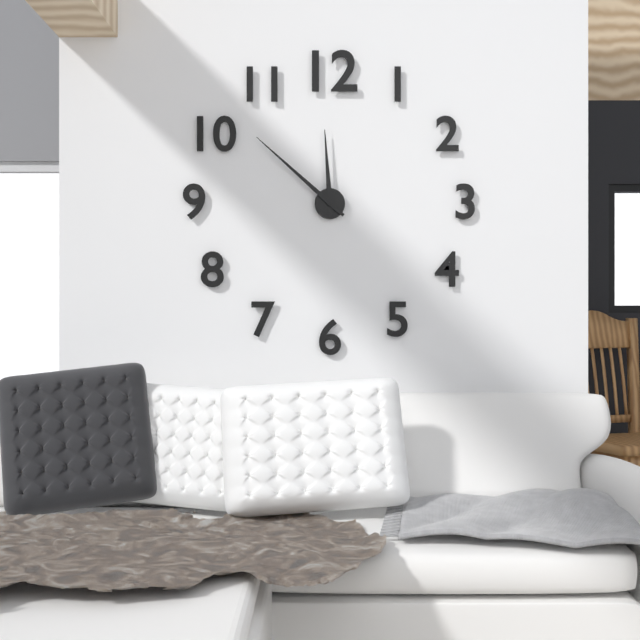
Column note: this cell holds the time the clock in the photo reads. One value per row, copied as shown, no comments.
11:52
